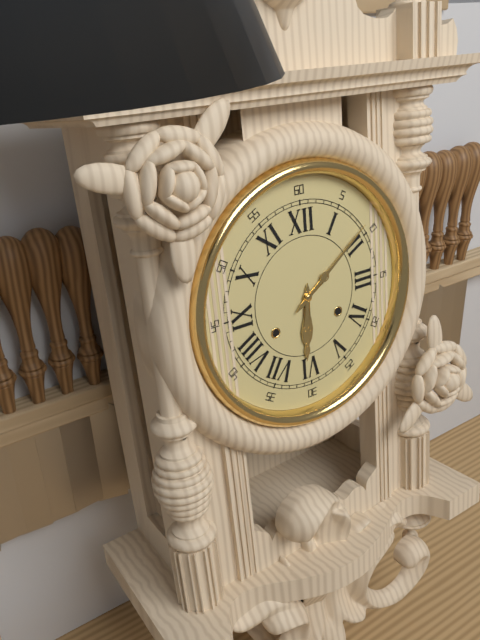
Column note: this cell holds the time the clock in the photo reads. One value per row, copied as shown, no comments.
6:09
